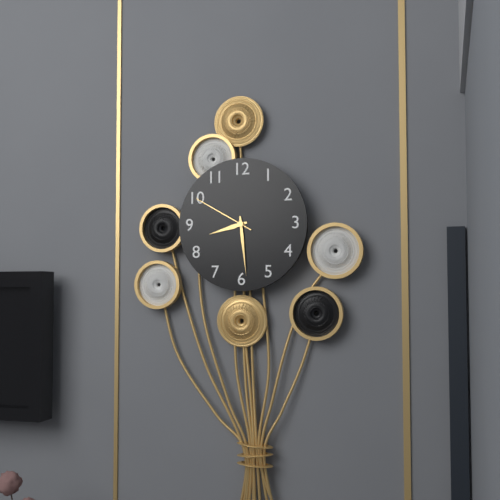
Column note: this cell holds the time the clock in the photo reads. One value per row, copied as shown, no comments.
8:29:50
